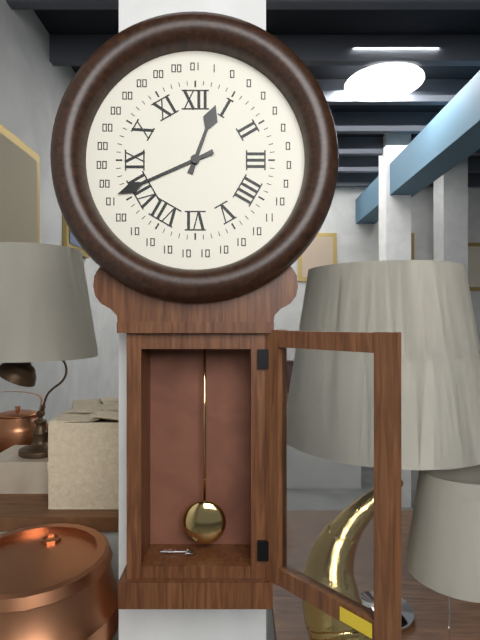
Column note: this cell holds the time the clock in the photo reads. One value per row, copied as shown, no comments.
12:41
